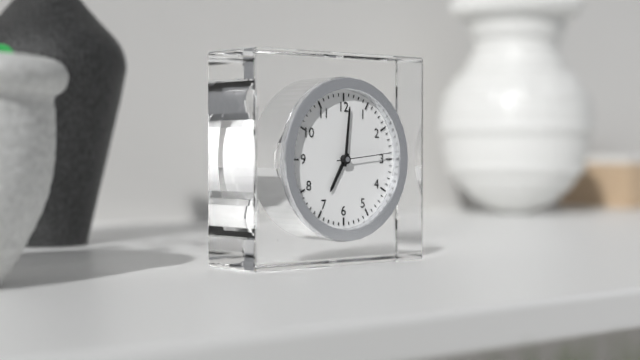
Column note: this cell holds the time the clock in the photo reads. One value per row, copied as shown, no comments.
7:01:14
